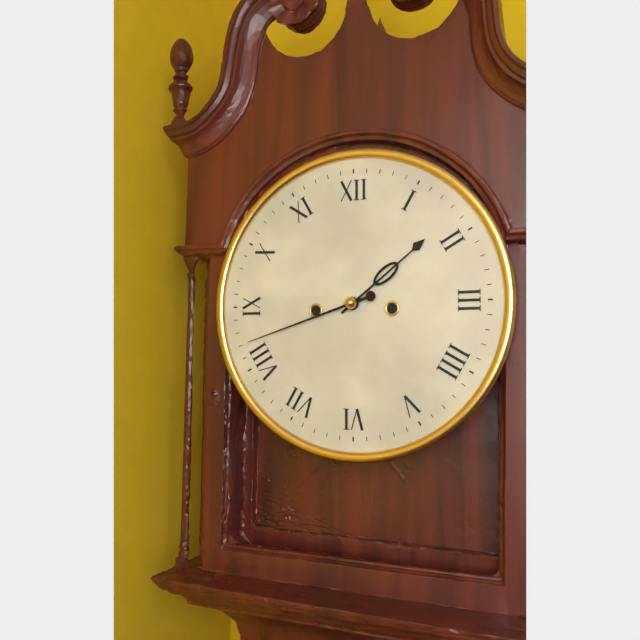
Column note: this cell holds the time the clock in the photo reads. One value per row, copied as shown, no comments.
1:42
